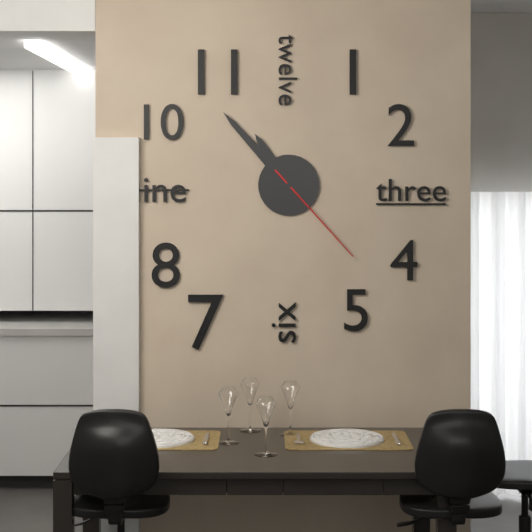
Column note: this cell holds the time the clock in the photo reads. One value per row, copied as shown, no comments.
10:53:23
